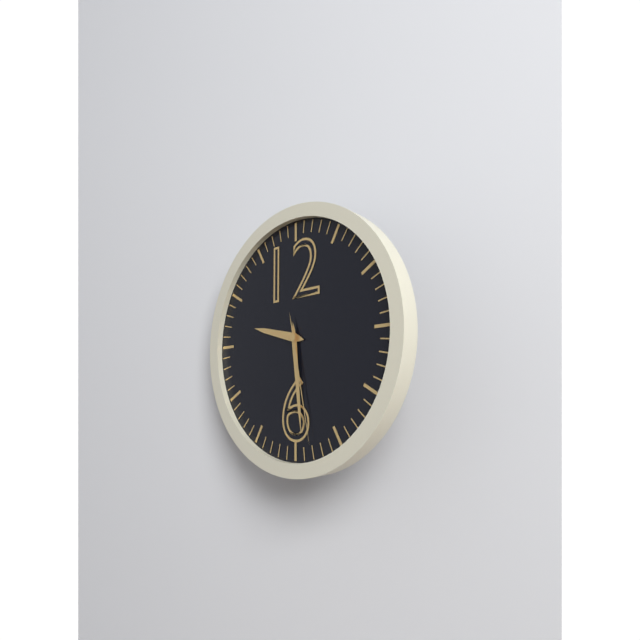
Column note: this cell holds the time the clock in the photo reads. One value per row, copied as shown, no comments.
9:29:28
